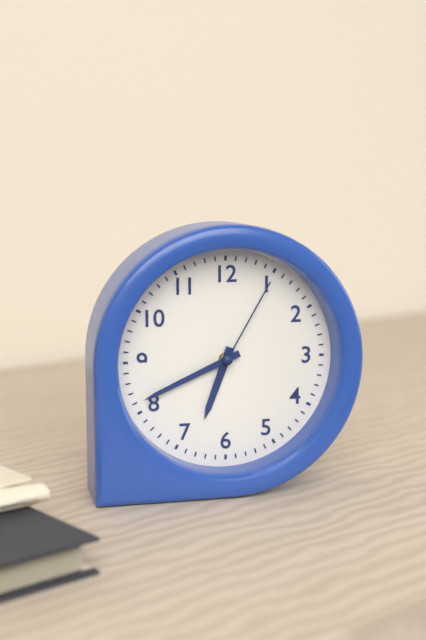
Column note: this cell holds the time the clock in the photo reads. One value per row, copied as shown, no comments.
6:41:05
